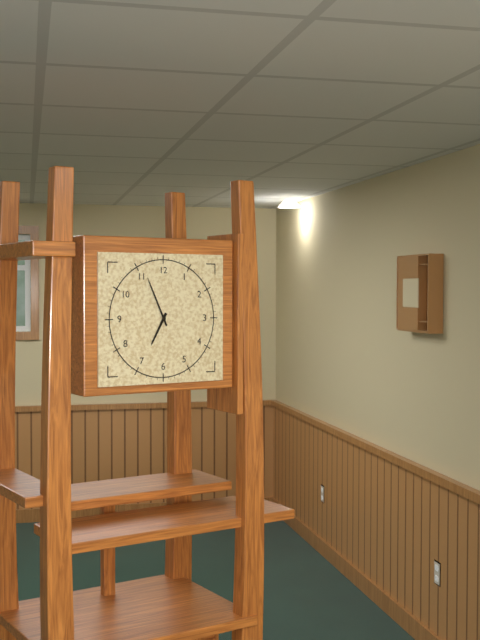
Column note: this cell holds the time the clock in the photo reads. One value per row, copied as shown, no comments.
6:56
